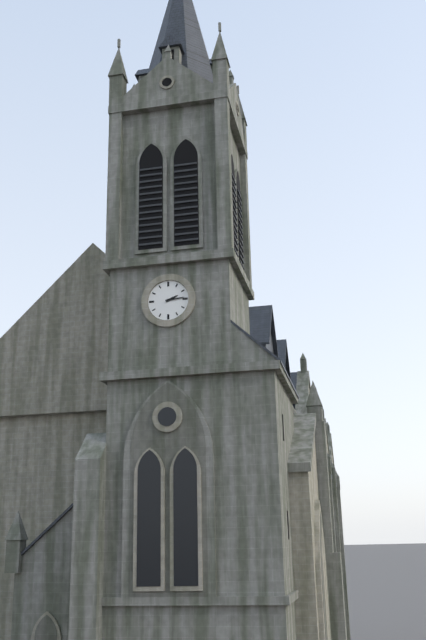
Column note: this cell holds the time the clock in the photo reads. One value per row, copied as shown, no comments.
2:14
